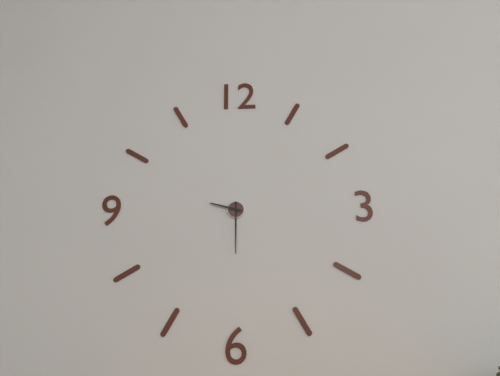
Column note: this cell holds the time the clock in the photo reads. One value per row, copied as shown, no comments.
9:30
